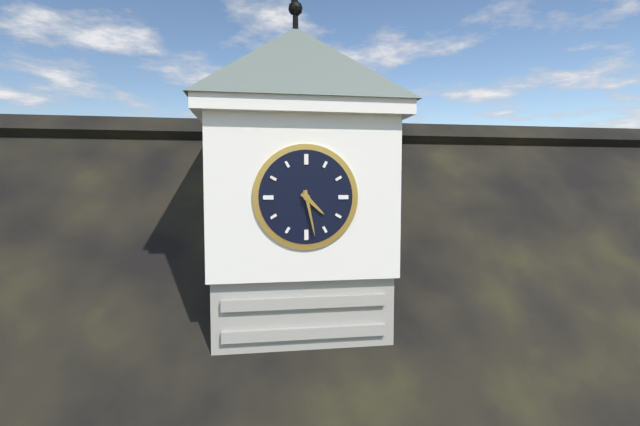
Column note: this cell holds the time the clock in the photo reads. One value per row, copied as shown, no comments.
4:28
